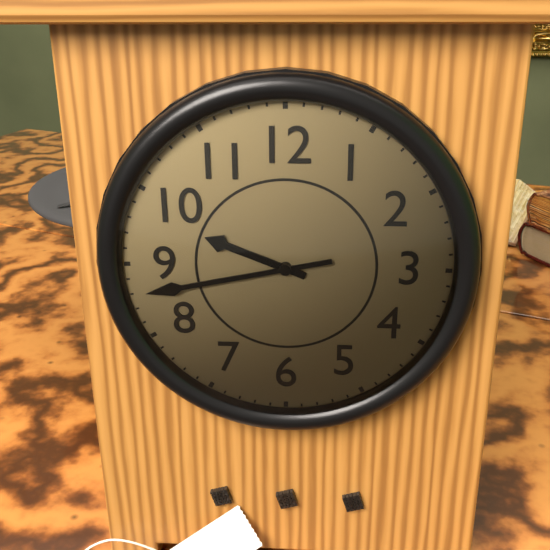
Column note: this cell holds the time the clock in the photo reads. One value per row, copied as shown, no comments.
9:43
